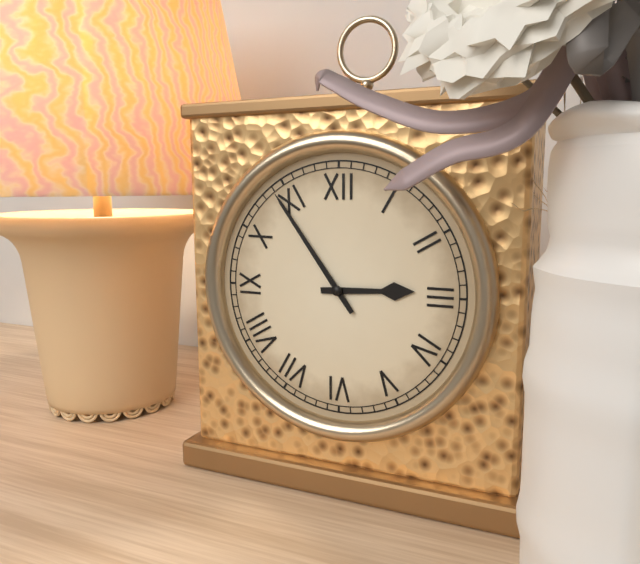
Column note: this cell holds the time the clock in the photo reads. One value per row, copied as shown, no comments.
2:54
